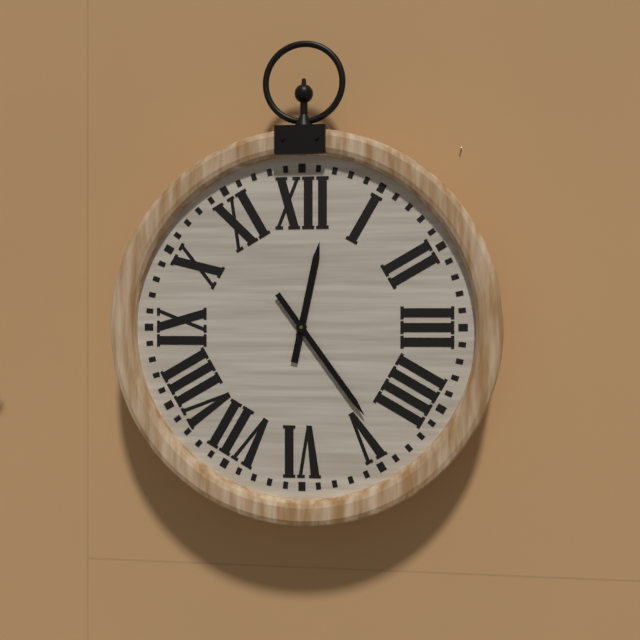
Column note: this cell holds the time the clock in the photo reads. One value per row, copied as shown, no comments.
12:24
